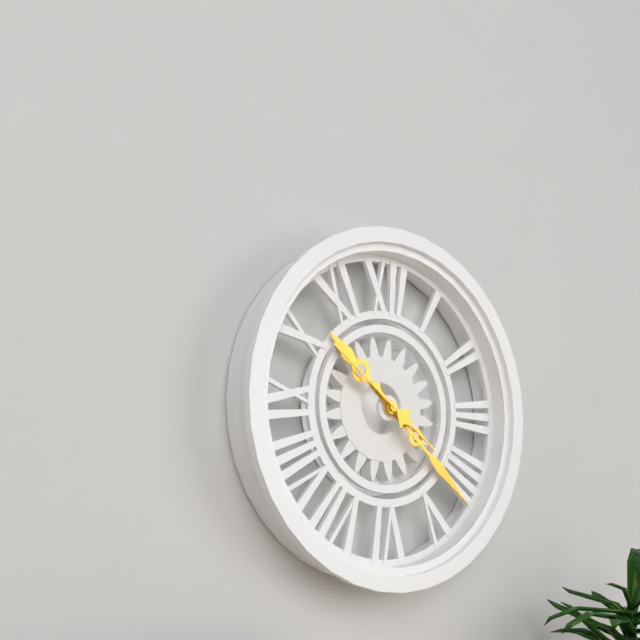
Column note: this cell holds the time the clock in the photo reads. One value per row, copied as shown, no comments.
10:22:51
